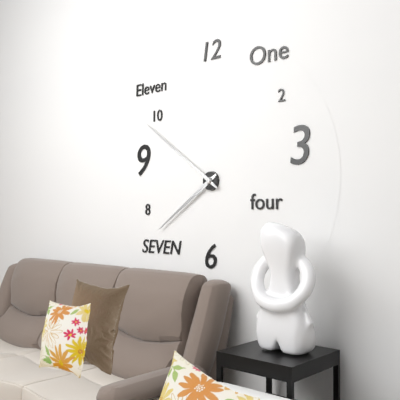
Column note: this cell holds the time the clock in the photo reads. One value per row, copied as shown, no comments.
7:51
